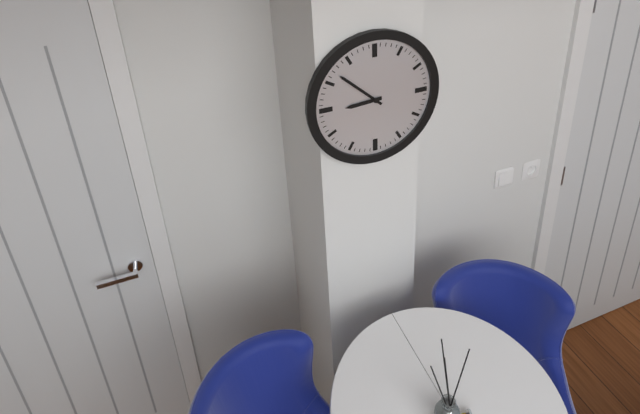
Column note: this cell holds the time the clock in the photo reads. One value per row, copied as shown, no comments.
8:52
